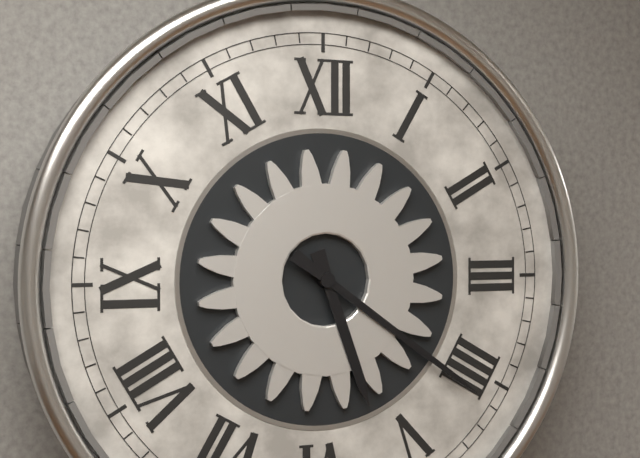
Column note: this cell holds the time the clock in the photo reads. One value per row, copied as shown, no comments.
5:21
